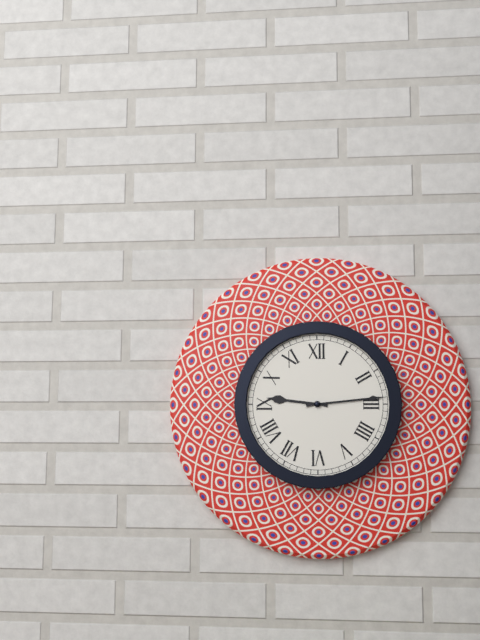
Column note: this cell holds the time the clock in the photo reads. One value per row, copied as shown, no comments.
9:14
